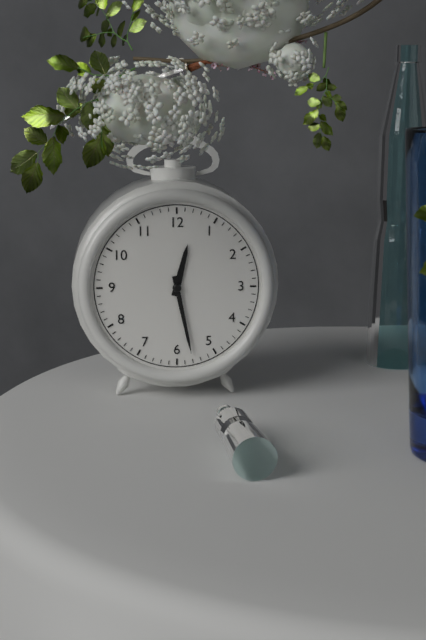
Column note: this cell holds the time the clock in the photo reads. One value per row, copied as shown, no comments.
12:28
